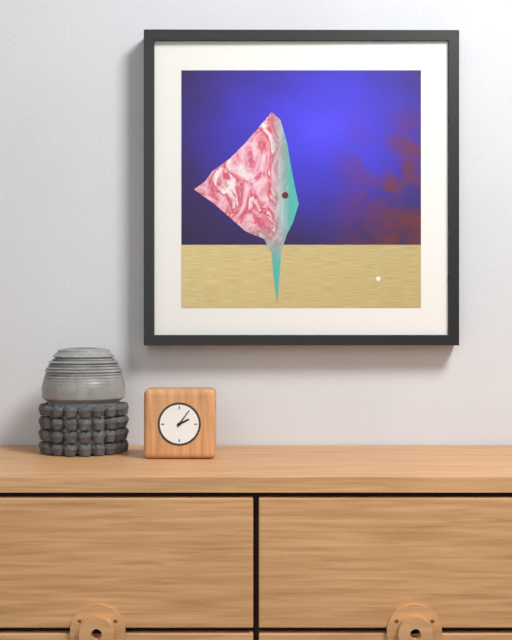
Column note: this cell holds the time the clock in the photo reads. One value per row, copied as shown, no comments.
2:06
